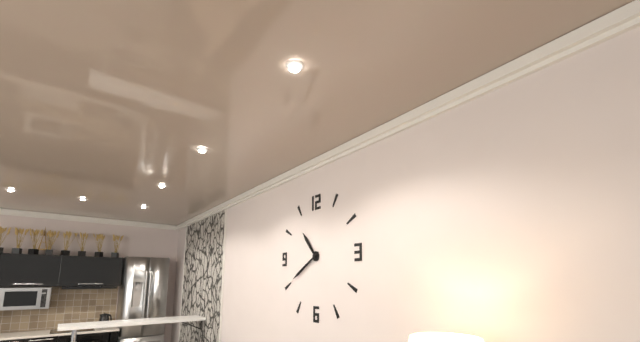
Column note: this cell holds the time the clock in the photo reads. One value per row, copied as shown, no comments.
10:40
